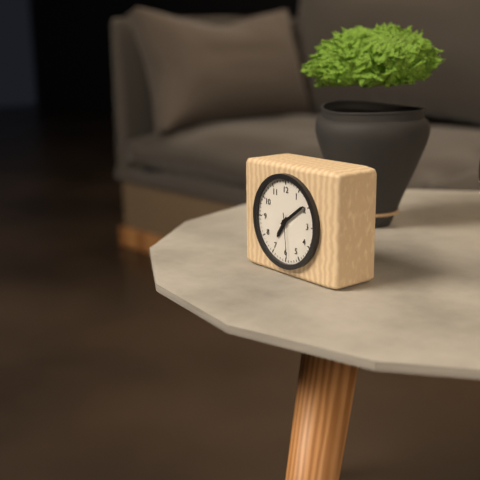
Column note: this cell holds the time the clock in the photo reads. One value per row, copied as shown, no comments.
7:09
